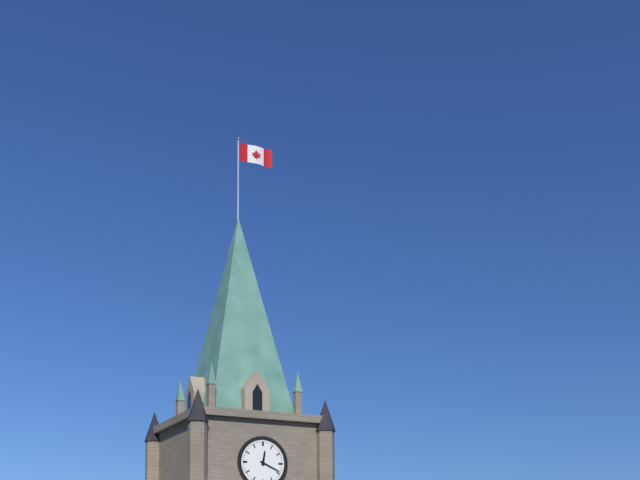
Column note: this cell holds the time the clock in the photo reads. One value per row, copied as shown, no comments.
12:19
